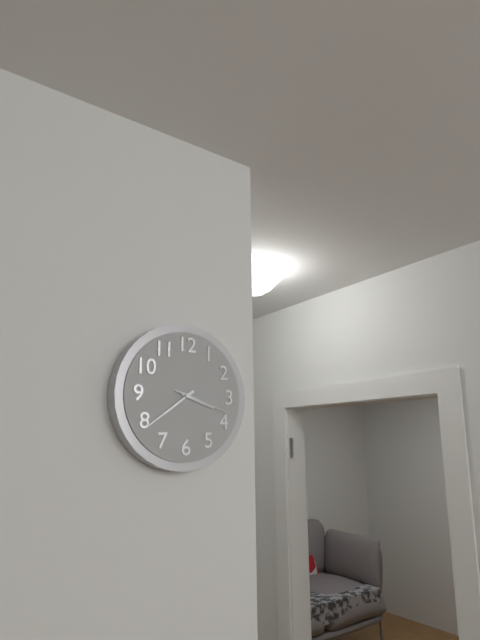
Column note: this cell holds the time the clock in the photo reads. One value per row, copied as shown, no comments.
3:39:18
